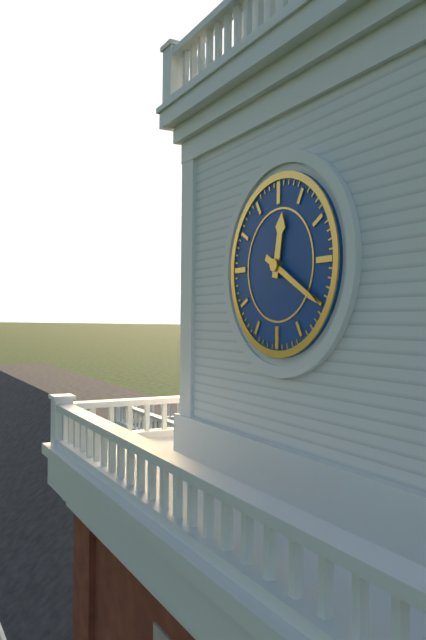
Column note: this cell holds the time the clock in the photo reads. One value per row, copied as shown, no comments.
12:20
